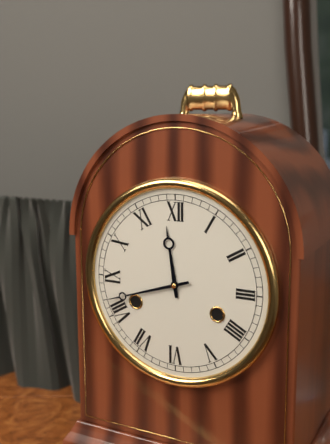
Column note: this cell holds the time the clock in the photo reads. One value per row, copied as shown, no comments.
11:42
